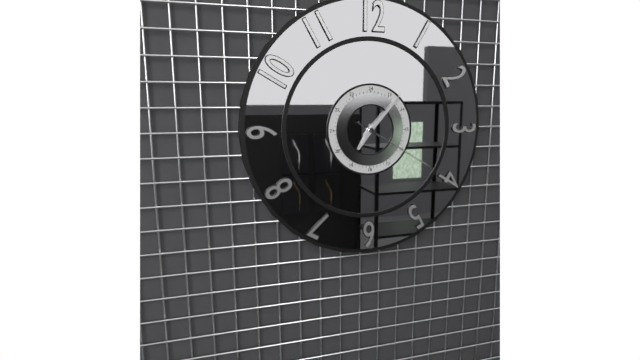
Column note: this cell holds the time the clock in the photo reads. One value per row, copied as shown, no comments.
7:07:20
